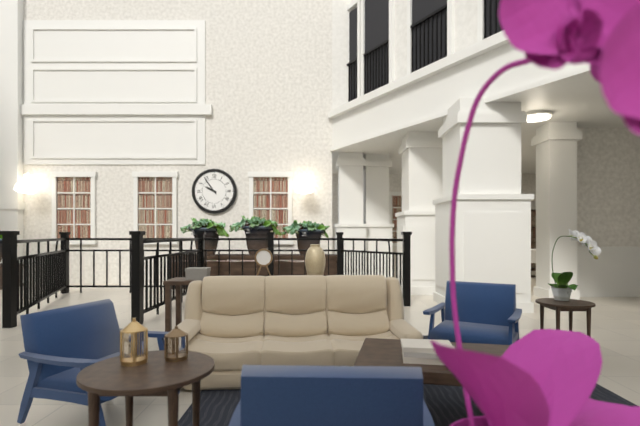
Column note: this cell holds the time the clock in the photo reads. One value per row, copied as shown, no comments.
9:54
